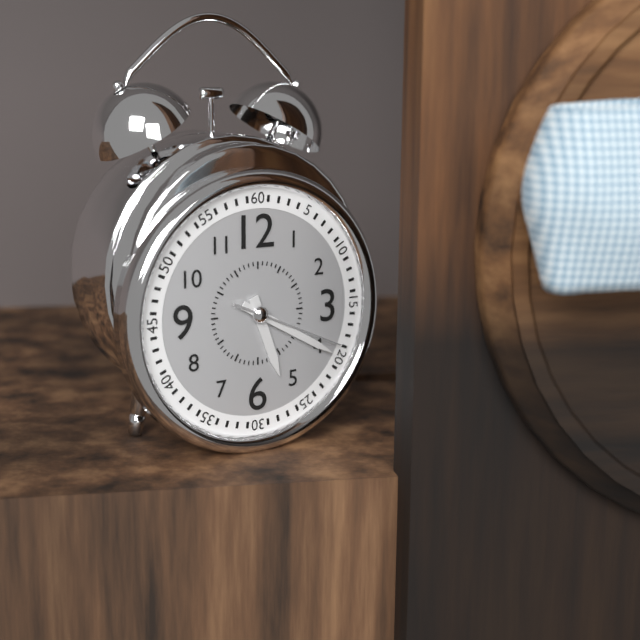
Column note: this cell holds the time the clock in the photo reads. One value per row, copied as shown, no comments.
5:20:19
